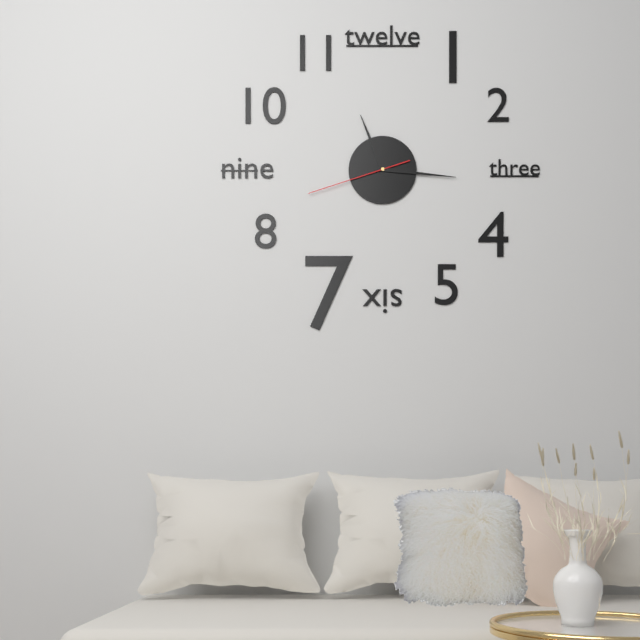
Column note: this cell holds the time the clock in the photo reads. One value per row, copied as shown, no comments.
11:16:42
